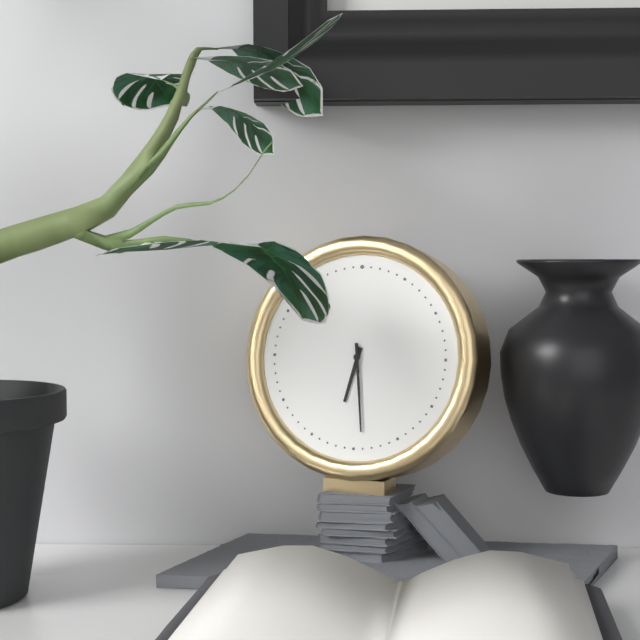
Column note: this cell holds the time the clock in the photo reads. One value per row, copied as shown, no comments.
6:29
